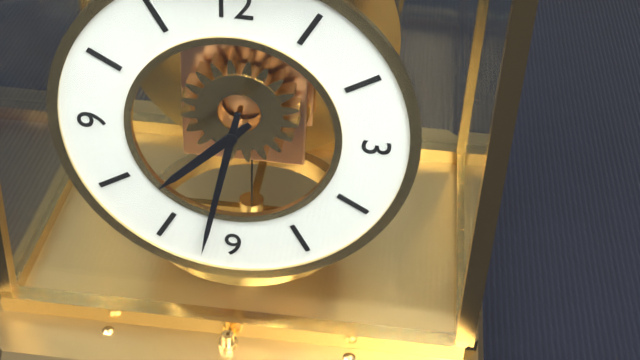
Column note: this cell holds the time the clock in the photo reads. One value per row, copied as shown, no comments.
7:32
